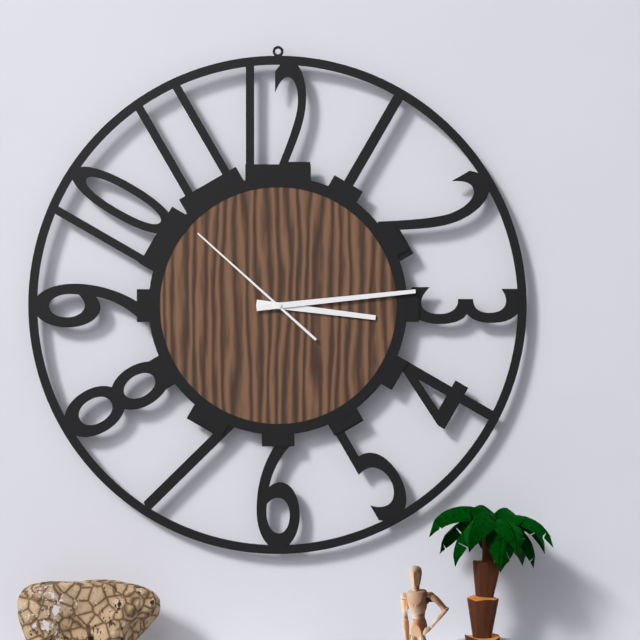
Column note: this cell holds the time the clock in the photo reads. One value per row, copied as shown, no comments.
3:14:52
